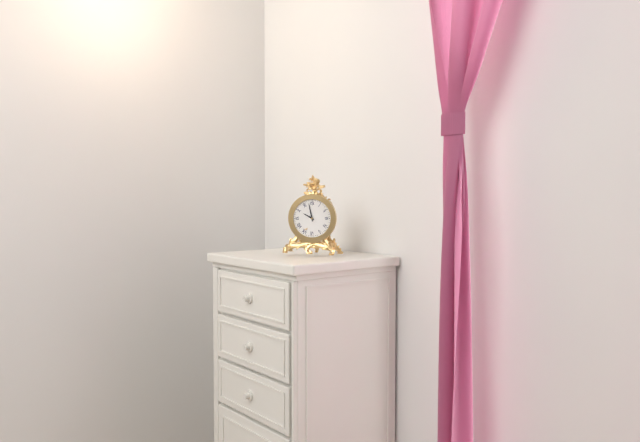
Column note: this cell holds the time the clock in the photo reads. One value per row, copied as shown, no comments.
9:58
